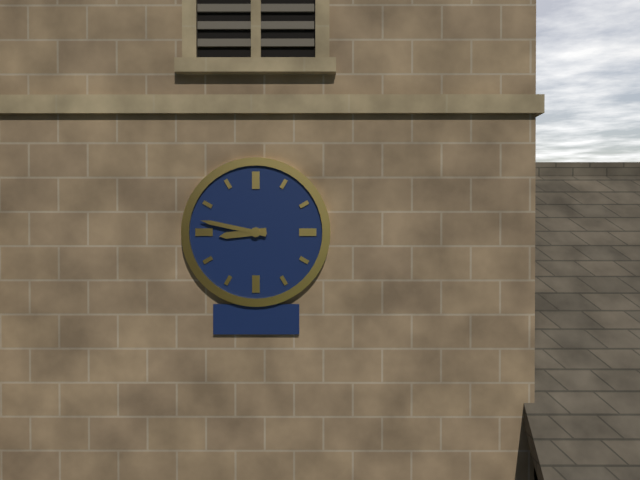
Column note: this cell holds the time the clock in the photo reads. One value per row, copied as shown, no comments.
8:47
